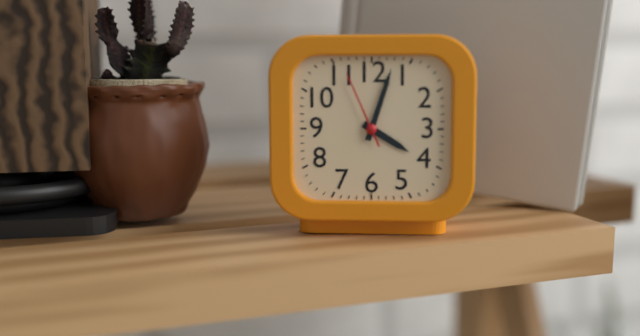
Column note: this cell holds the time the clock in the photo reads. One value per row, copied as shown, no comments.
4:03:56
